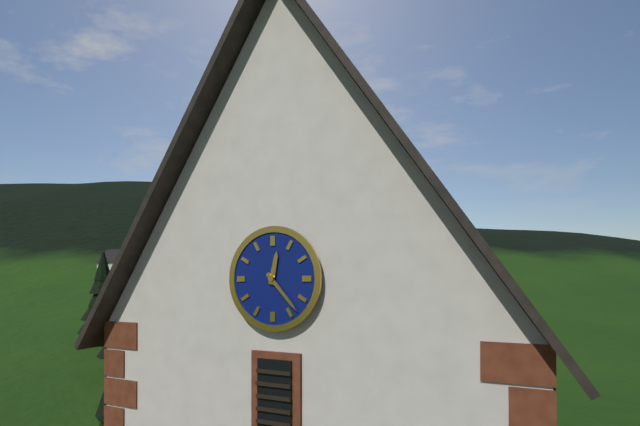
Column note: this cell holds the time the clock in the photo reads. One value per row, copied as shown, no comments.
12:23
